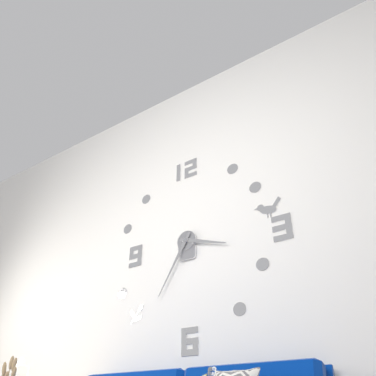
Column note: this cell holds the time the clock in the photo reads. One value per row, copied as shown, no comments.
3:35
